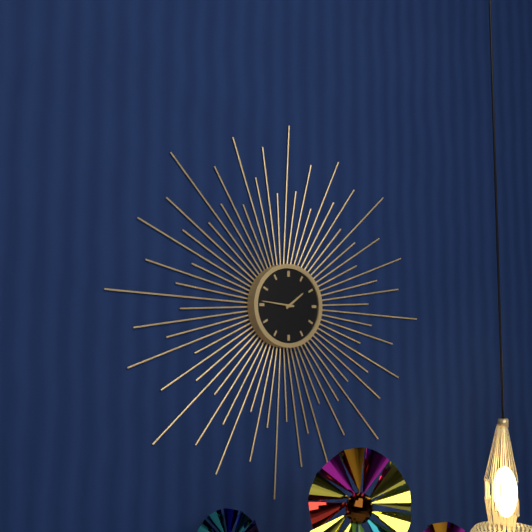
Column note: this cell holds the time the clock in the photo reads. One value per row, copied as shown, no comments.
1:46
